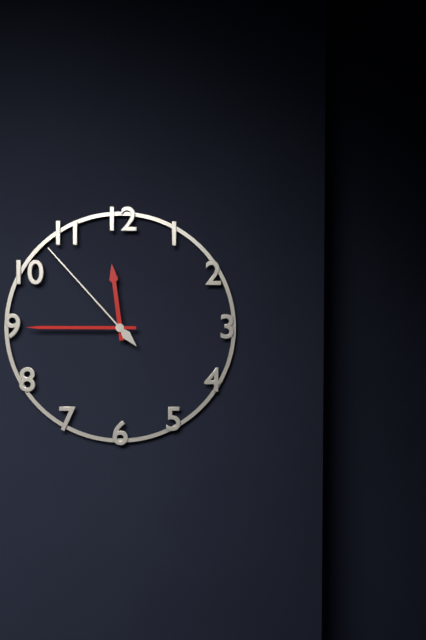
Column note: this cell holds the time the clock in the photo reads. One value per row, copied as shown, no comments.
11:45:53
